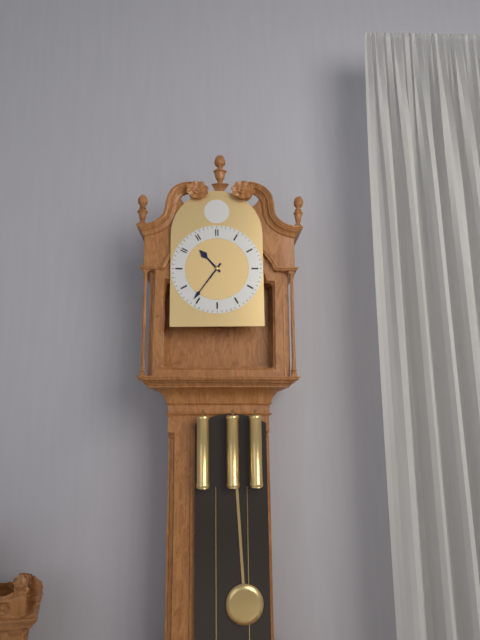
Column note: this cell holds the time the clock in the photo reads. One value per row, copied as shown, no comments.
10:36
